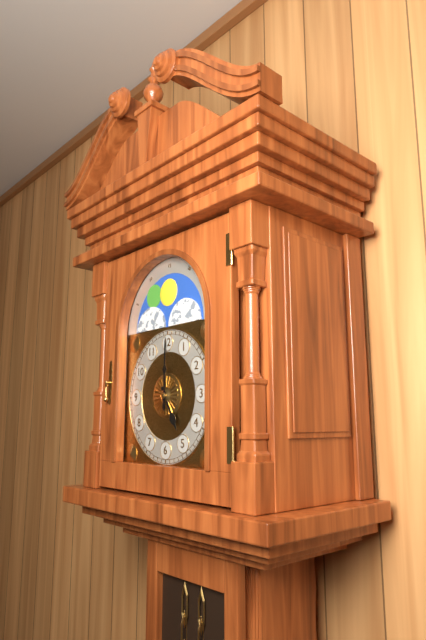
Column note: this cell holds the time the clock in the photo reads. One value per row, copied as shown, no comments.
5:00
